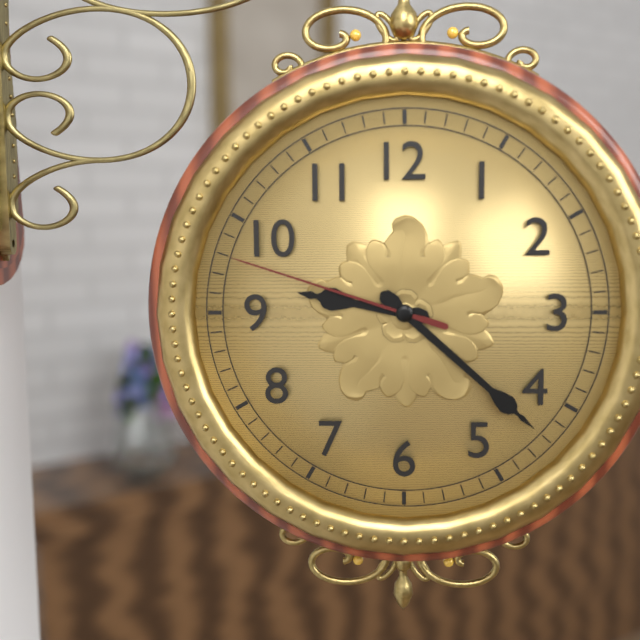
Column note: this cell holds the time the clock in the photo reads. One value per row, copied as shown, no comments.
9:22:48
